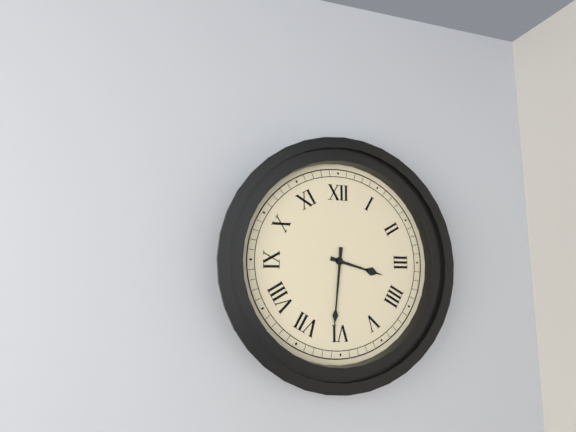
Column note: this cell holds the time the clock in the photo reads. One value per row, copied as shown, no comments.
3:31
